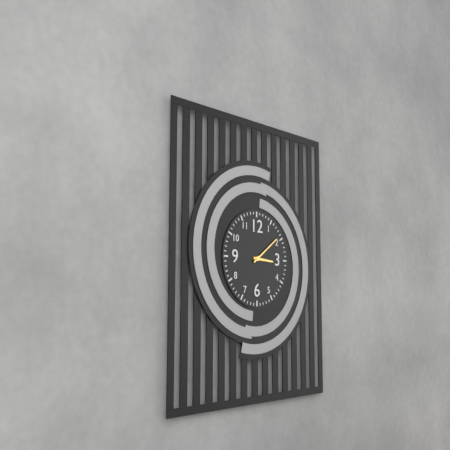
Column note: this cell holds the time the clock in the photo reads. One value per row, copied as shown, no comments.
3:09
